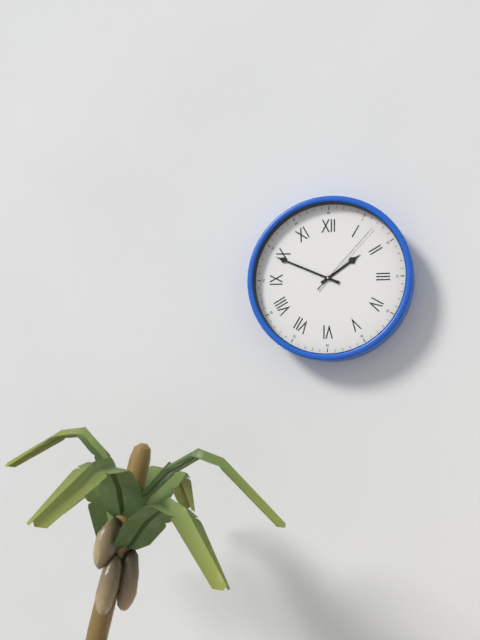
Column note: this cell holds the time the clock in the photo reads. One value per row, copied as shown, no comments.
1:49:07
